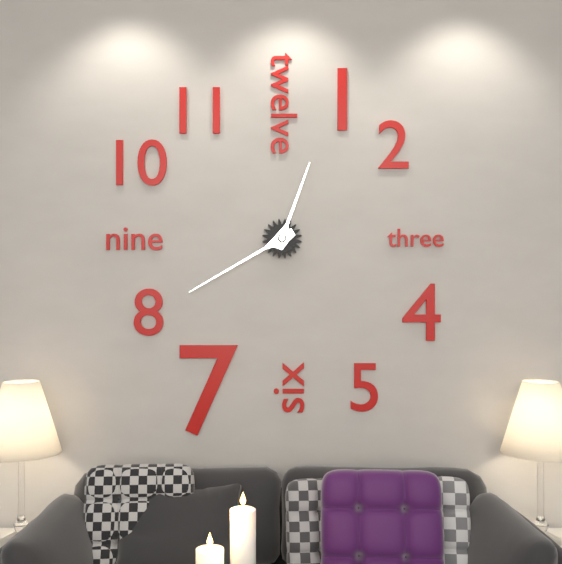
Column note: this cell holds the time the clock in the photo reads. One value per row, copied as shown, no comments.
12:40
